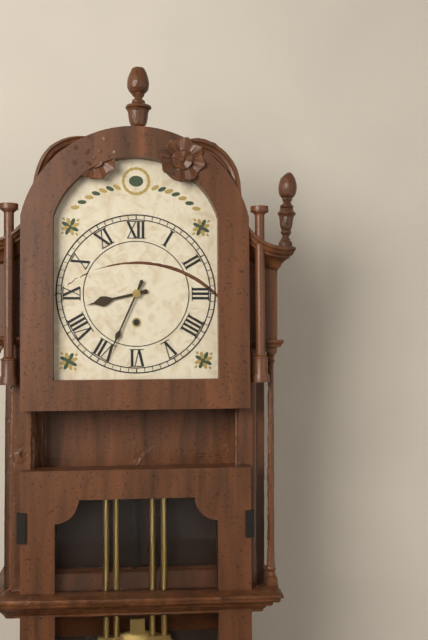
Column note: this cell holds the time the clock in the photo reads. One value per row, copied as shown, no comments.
8:34
